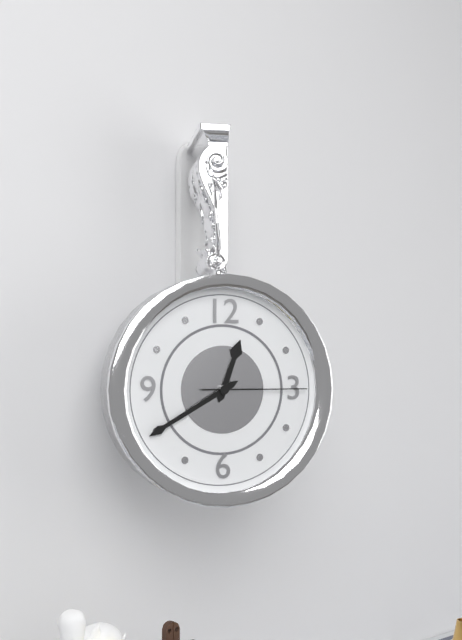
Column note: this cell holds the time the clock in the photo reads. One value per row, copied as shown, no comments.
12:40:15
